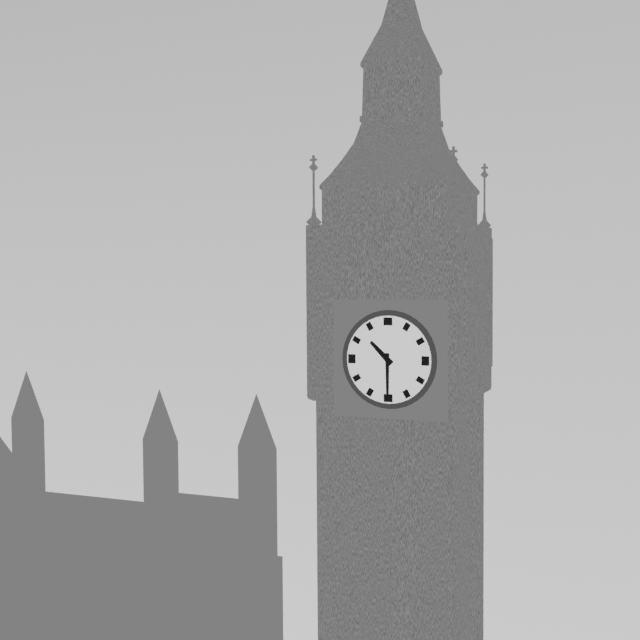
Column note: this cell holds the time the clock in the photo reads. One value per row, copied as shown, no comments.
10:30
